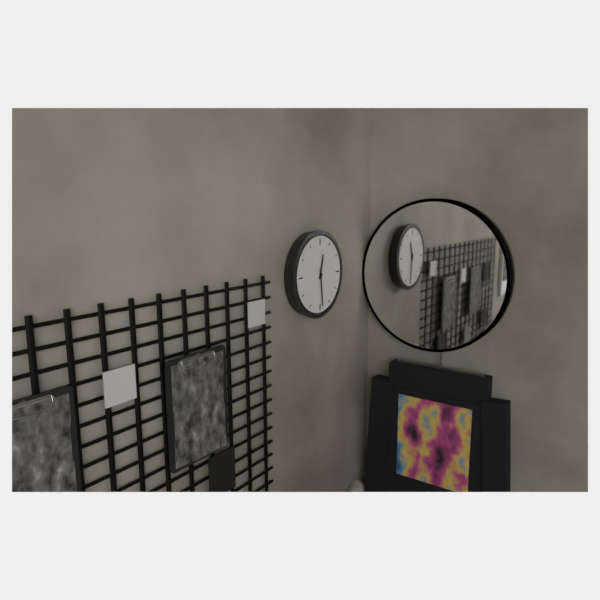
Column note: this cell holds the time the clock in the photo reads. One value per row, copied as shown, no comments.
12:29
